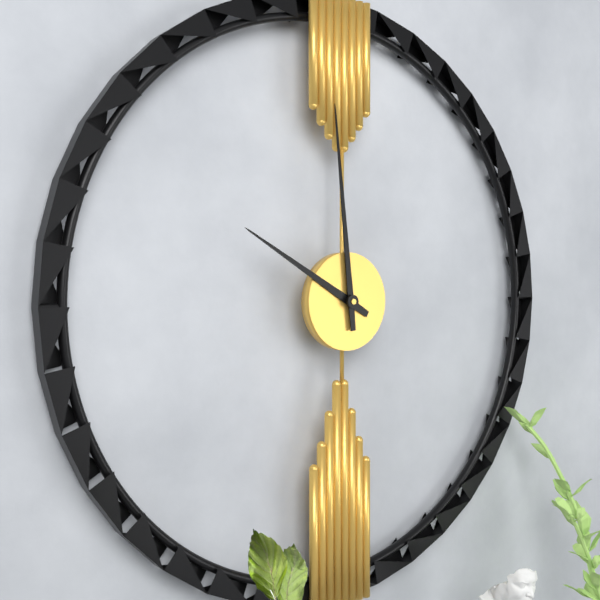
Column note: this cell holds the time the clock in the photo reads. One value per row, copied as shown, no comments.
9:59
